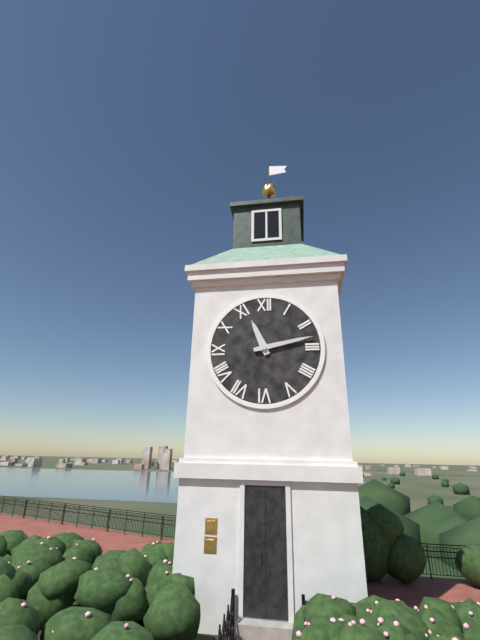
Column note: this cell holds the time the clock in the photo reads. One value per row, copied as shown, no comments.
11:13
